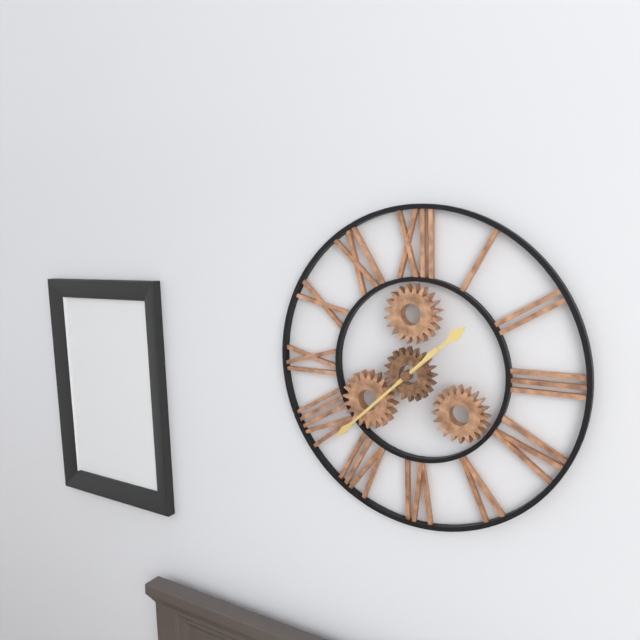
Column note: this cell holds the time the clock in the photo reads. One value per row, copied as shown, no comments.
1:38
